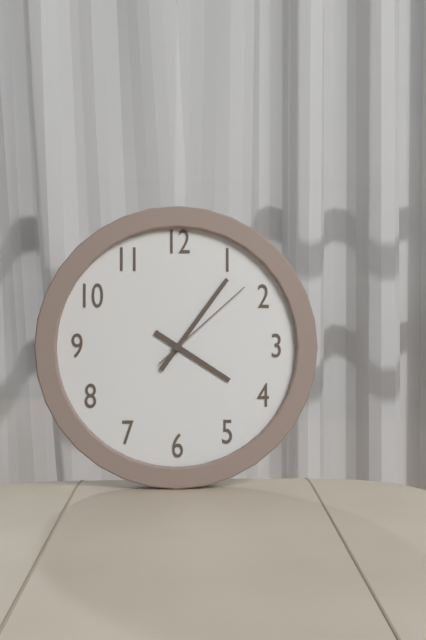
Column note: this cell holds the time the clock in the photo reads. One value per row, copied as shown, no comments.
4:06:08
